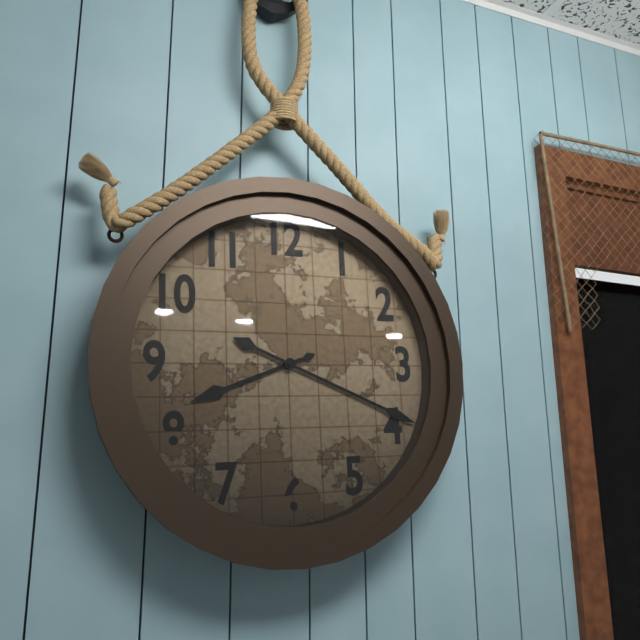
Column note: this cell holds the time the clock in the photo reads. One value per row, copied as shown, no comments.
8:19
